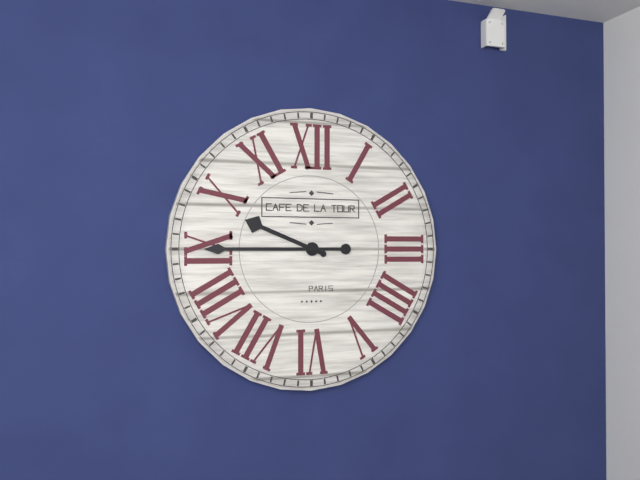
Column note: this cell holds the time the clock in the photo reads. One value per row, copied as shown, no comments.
9:45
